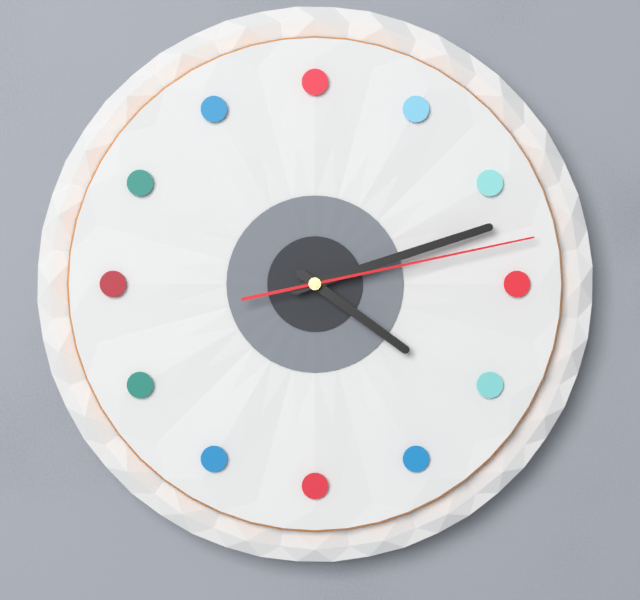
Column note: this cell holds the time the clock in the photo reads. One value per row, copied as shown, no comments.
4:12:13
